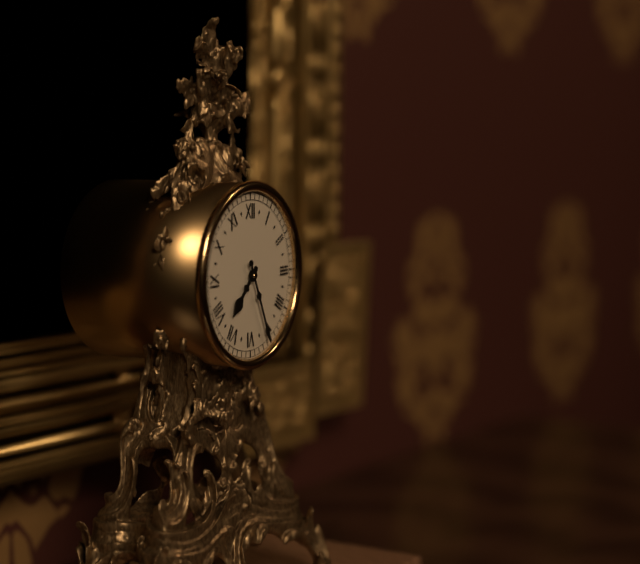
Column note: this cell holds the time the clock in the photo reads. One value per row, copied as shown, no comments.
7:26
